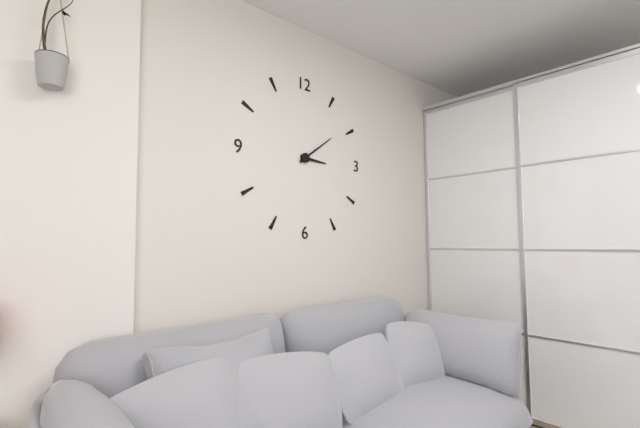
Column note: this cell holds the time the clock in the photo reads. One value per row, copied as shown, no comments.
3:09
